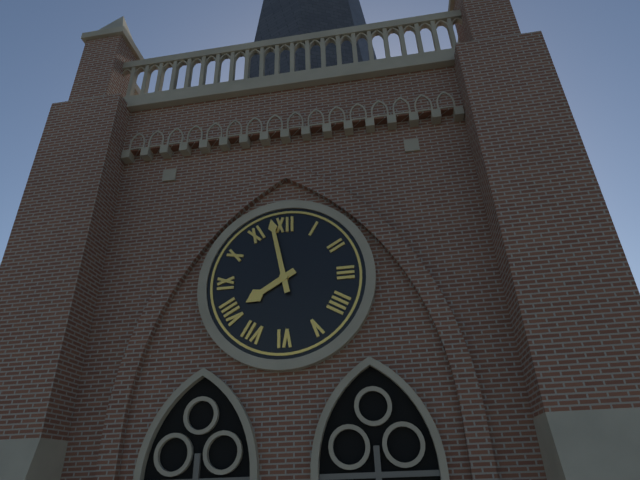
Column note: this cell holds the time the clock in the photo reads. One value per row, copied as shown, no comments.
7:58
